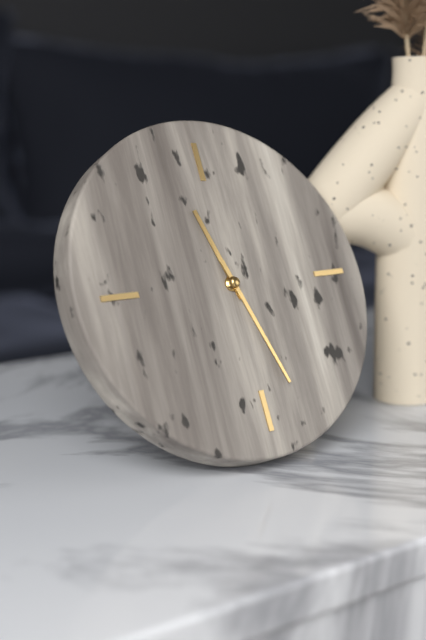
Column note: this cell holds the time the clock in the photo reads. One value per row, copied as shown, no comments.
11:27
